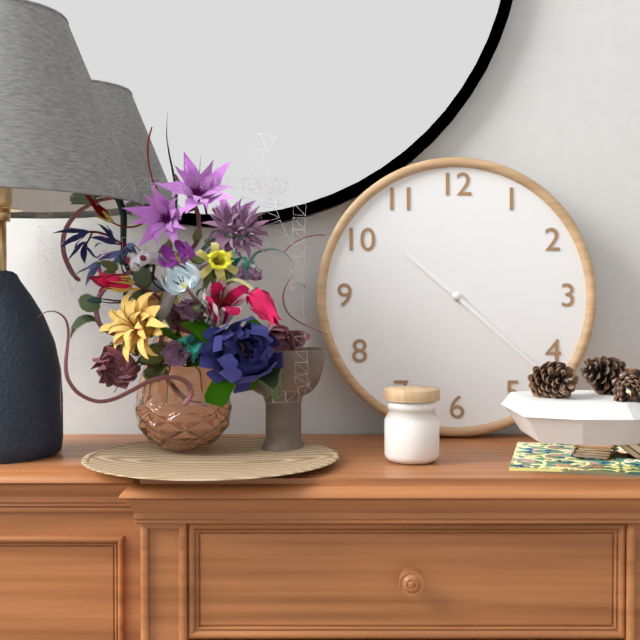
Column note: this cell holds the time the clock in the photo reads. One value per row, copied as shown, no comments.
10:22
